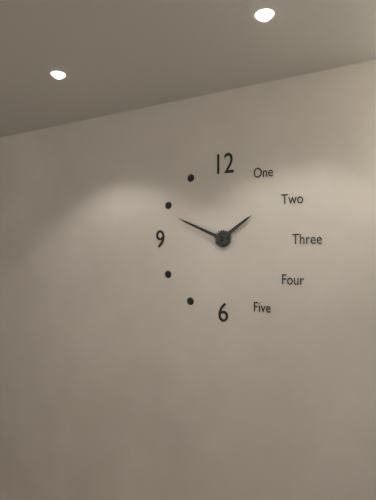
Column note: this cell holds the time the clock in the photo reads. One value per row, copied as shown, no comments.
1:49
